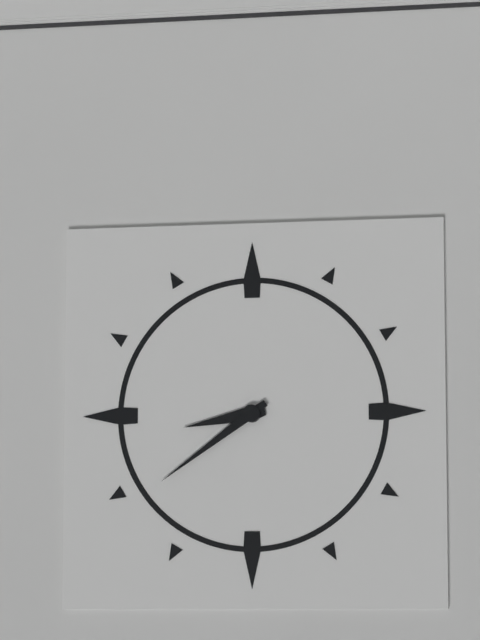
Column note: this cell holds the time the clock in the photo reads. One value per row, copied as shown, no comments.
8:39
